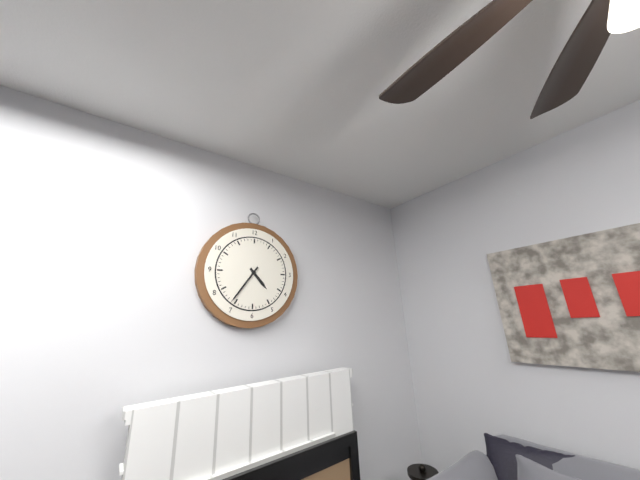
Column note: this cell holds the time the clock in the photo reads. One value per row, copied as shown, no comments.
4:36
